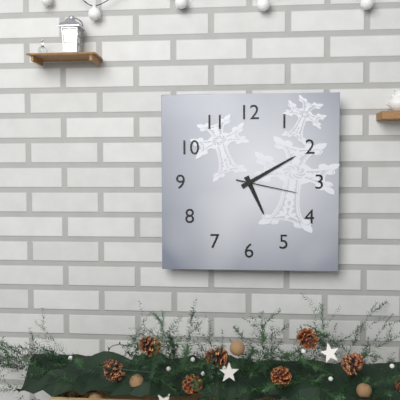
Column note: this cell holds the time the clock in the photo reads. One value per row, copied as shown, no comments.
5:10:17
